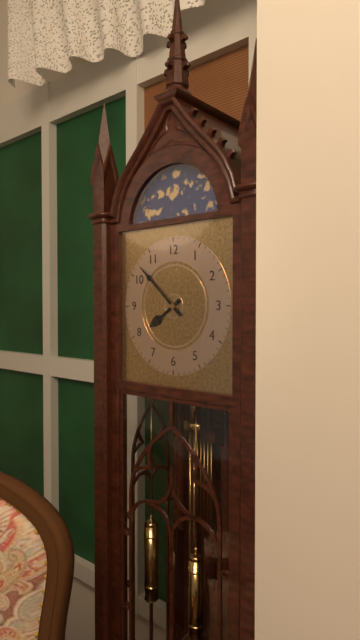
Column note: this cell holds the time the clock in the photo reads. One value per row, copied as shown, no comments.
7:52
